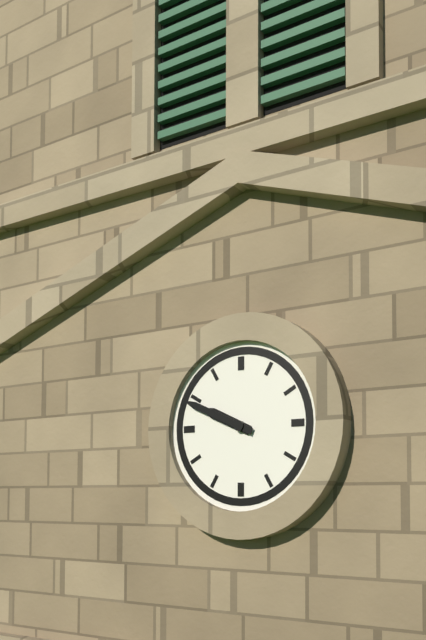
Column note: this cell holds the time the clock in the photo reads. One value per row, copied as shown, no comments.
9:49
